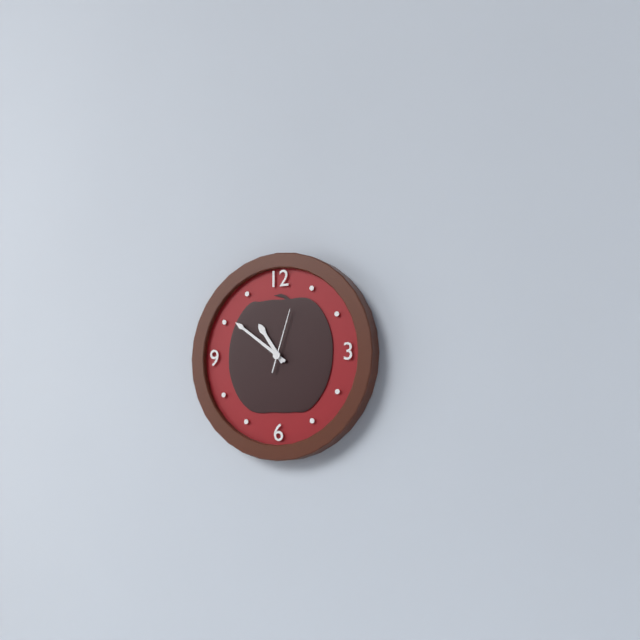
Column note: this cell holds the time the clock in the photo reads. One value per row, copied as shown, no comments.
10:51:03
